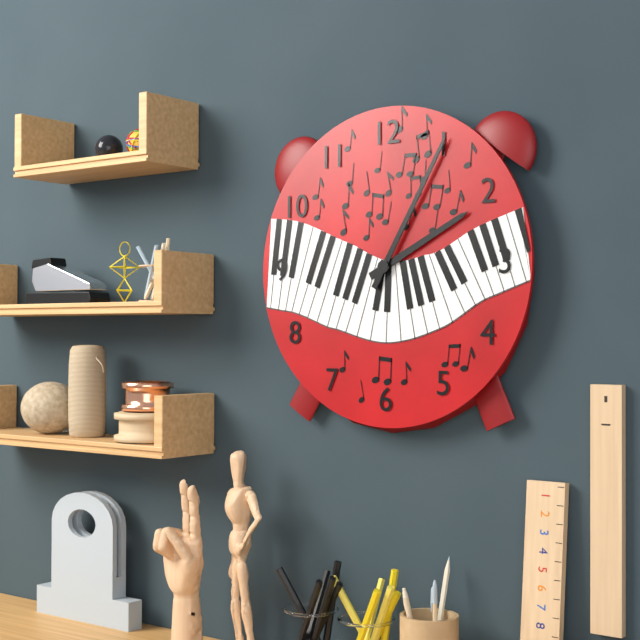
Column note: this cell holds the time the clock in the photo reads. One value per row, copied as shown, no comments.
2:05
